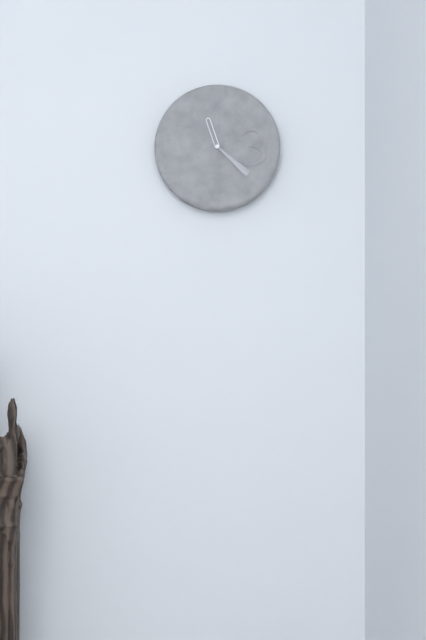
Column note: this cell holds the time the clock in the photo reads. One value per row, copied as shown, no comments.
11:22
